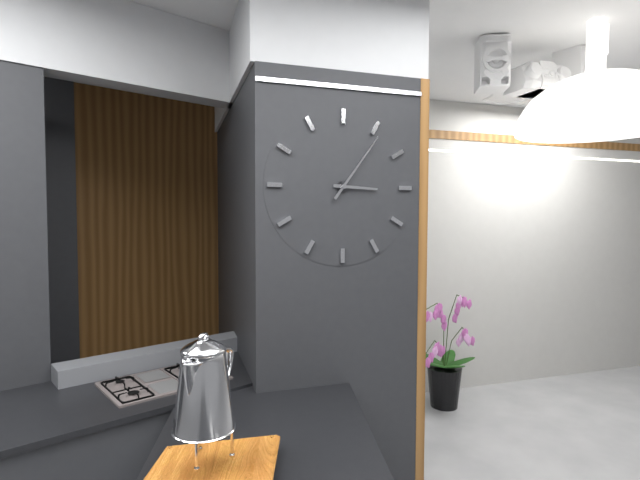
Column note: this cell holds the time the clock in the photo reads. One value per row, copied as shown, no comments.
3:06
